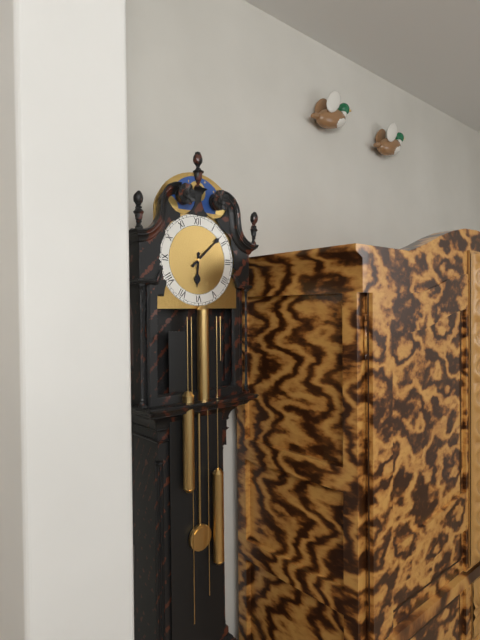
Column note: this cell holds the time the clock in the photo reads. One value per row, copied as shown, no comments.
6:08
